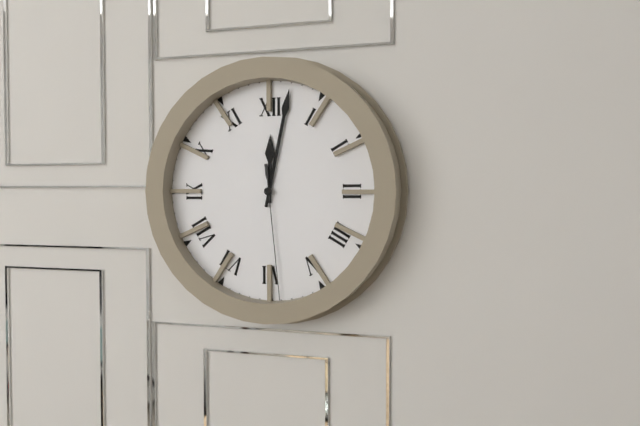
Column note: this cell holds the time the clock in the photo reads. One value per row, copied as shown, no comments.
12:02:29
